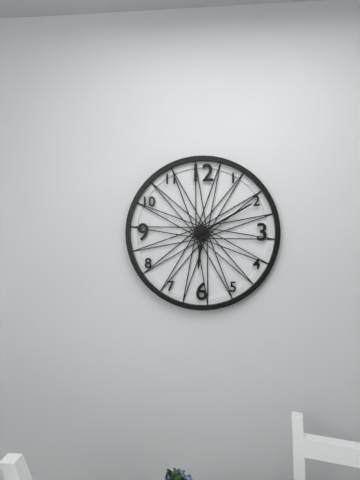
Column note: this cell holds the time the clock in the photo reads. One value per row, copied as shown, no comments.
6:10
